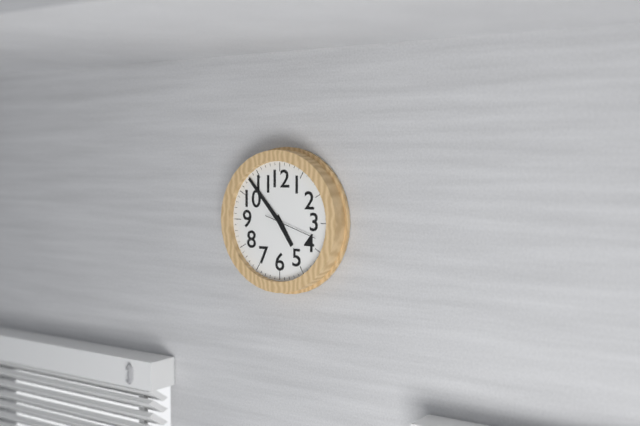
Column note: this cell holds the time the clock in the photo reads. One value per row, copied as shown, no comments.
4:53:18
